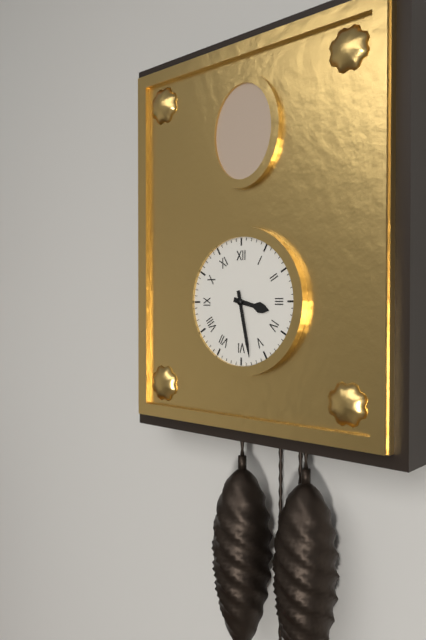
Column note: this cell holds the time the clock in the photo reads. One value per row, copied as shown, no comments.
3:28
